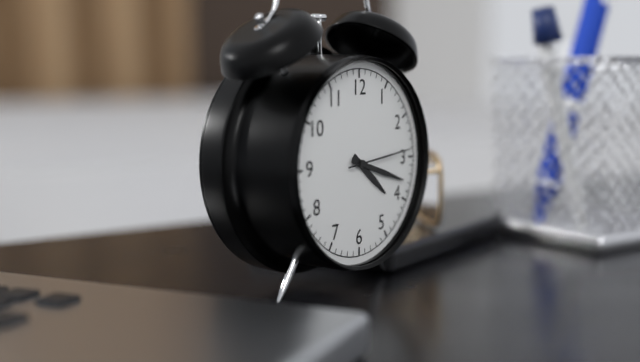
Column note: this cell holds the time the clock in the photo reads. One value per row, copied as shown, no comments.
4:18:14
